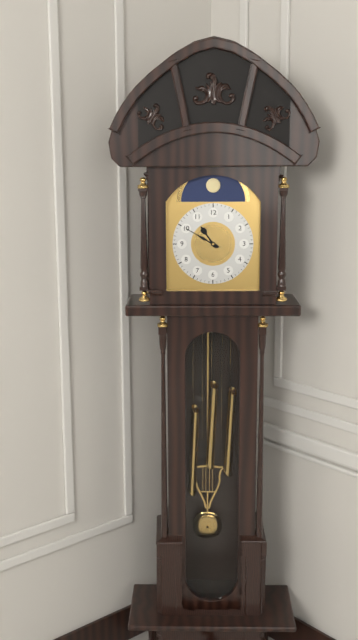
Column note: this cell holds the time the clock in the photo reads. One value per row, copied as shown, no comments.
10:50
